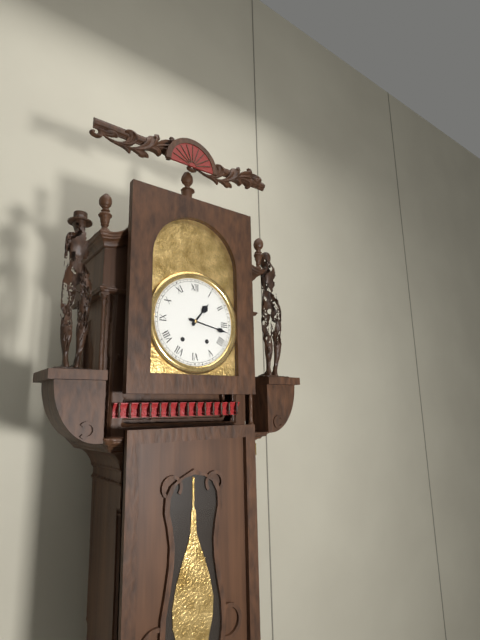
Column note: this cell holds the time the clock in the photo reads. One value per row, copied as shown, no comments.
1:17
